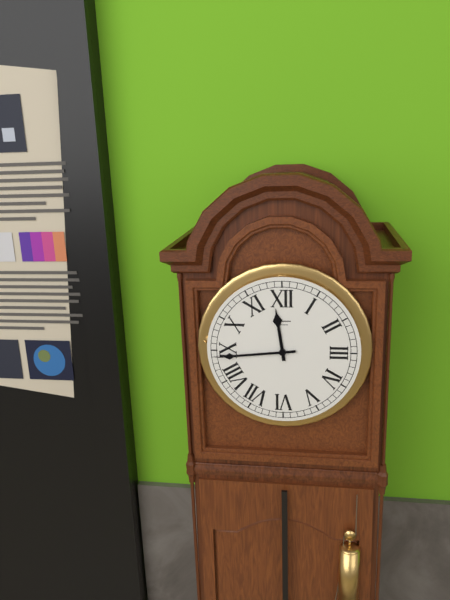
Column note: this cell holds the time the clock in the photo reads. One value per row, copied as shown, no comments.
11:44
